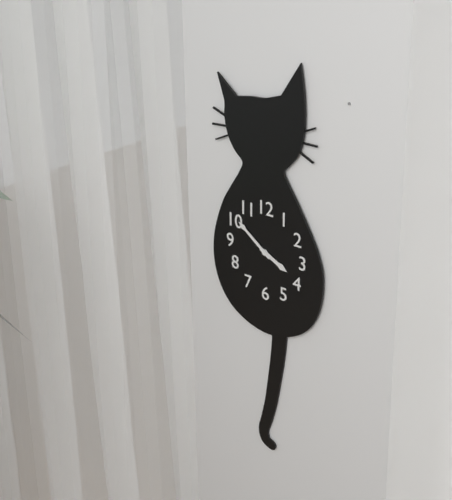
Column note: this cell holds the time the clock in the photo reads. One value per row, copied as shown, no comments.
3:51
